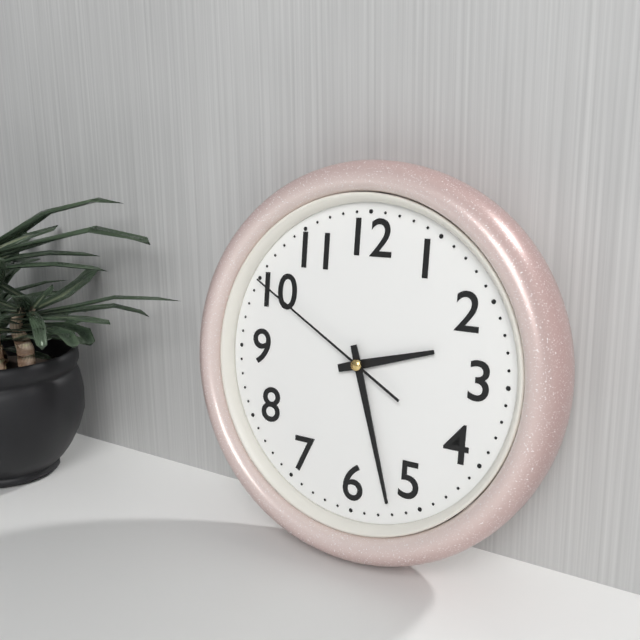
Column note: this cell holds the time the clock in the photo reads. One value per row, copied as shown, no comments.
2:27:50
